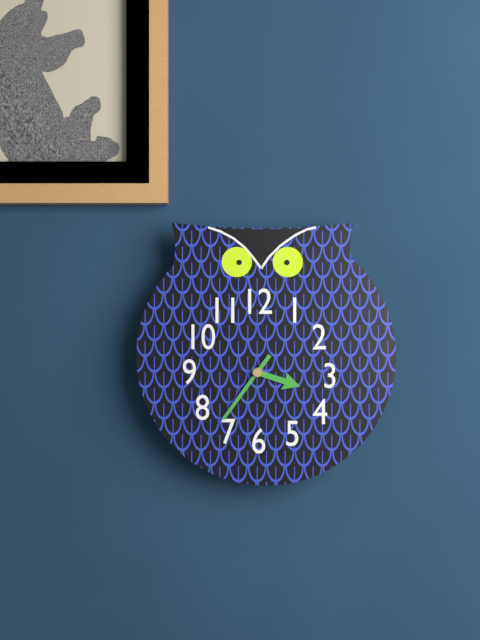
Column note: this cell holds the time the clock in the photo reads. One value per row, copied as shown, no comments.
3:36
